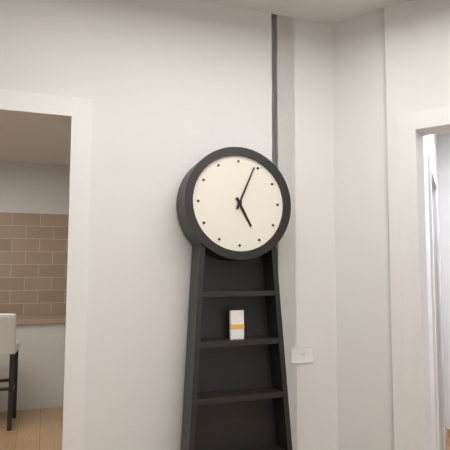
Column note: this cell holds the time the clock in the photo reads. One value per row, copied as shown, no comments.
5:04
